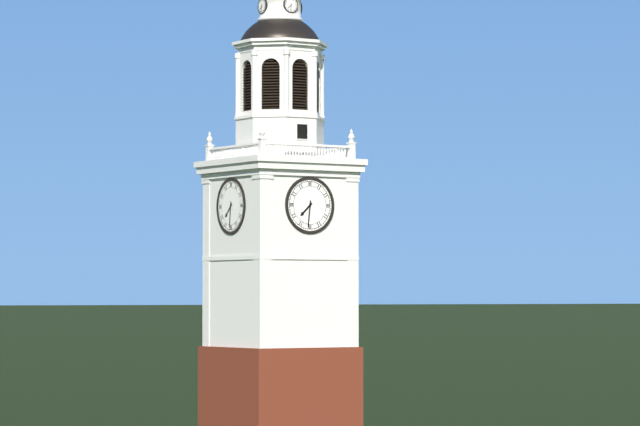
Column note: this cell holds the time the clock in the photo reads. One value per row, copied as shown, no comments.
7:31
